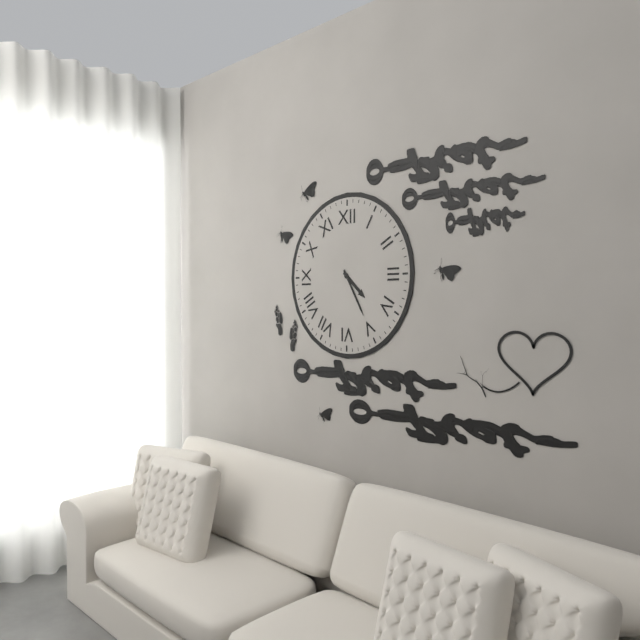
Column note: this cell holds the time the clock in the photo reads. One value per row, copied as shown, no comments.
4:25
